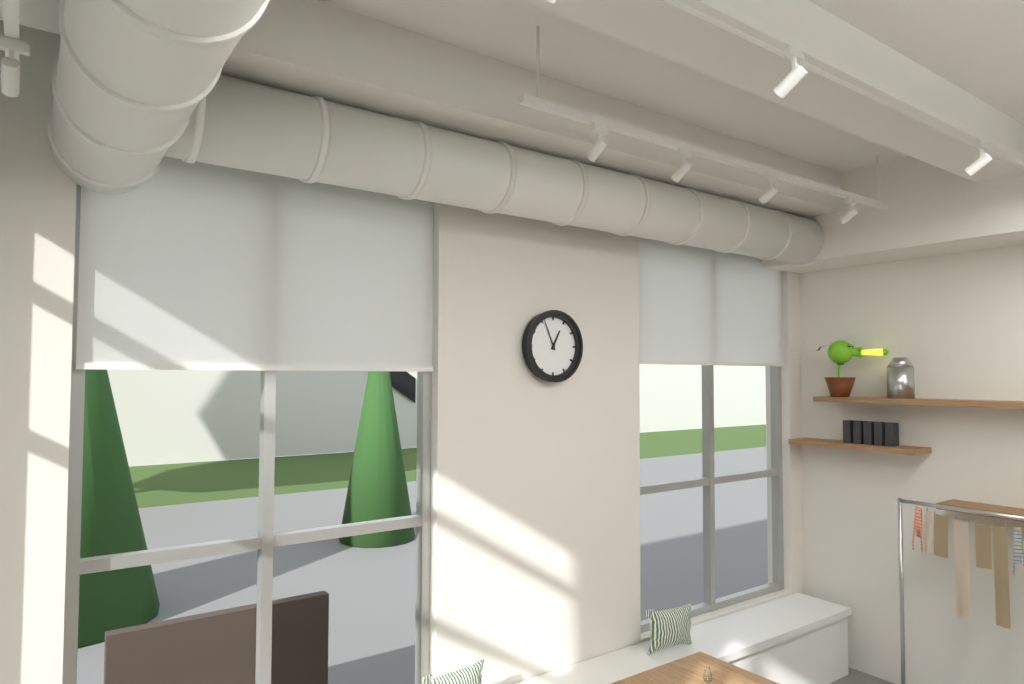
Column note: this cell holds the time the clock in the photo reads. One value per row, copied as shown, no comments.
12:56
